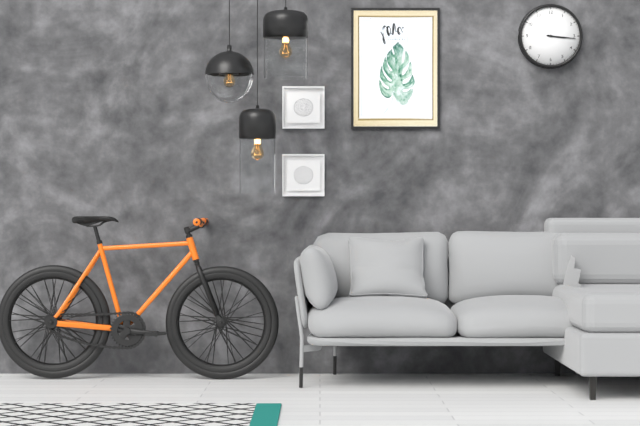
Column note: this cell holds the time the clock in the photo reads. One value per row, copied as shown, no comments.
3:16
